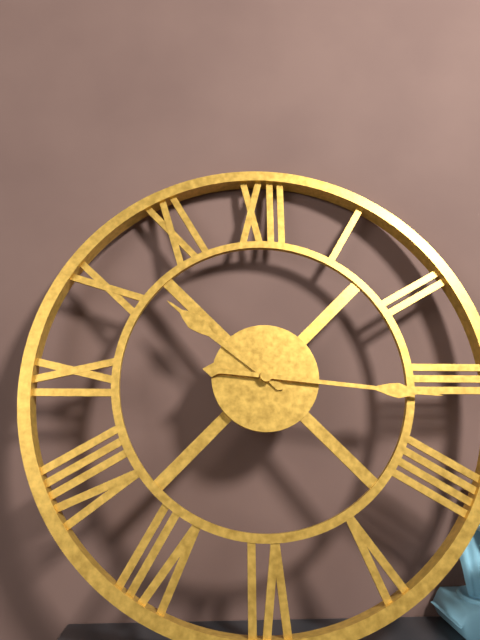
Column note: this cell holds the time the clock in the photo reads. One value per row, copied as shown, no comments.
10:16
